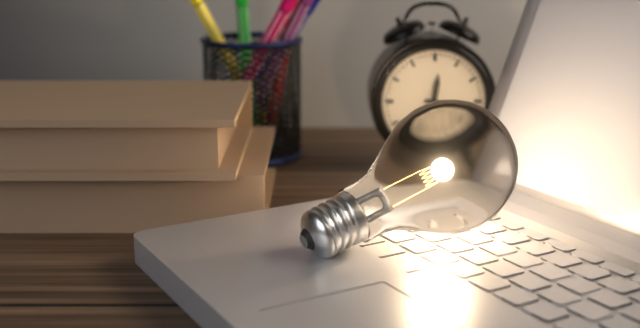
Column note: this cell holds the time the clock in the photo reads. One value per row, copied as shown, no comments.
12:16
